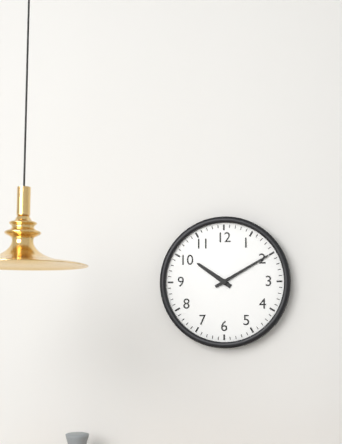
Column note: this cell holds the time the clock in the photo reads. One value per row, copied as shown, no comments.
10:10
